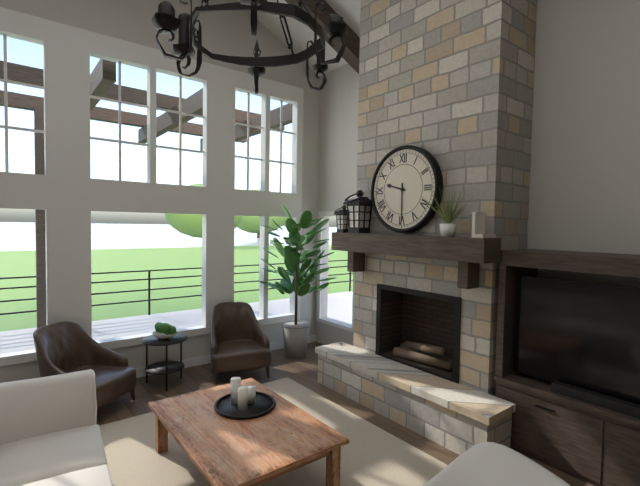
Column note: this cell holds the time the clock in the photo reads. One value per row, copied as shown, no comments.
9:30
